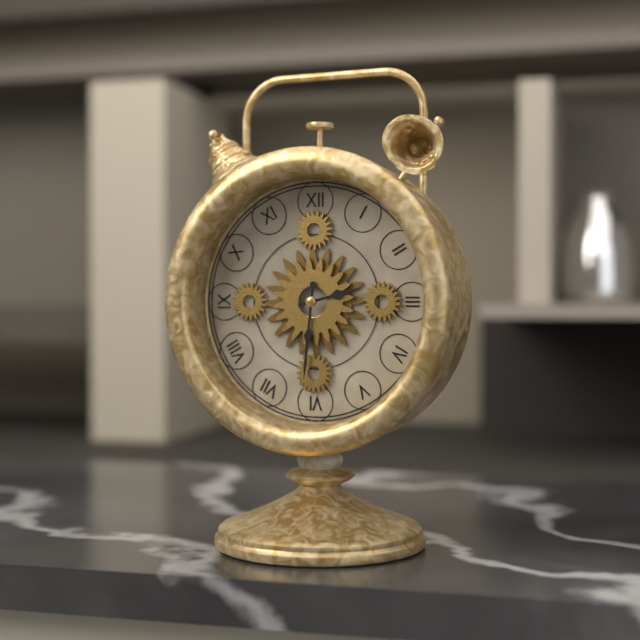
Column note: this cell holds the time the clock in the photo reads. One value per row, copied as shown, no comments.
2:31
